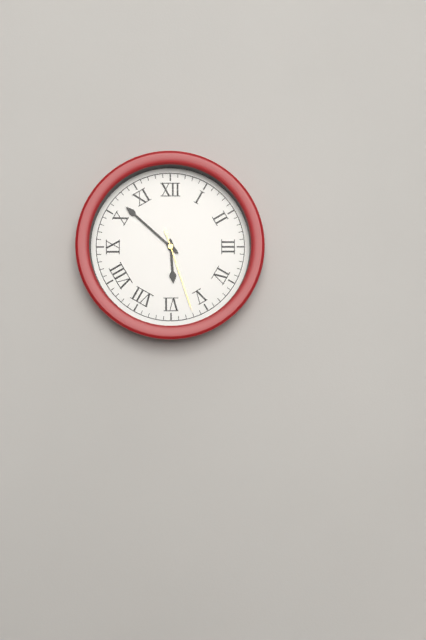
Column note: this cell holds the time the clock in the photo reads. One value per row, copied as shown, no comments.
5:52:27
